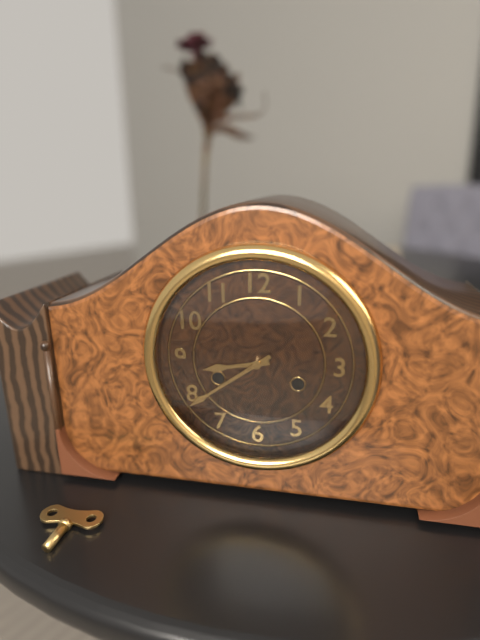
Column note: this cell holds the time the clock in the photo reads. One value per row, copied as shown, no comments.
8:39
